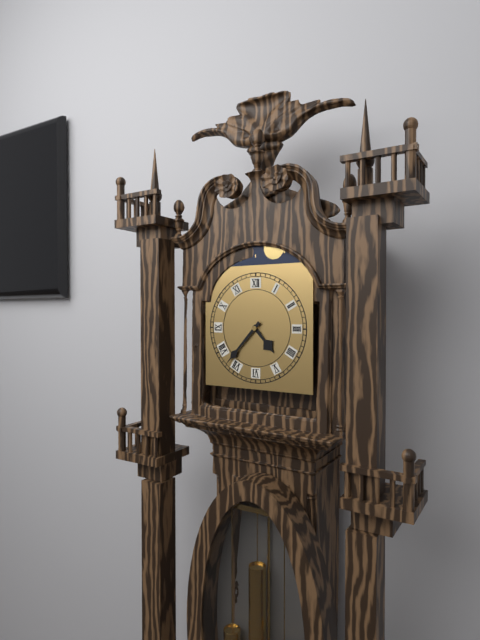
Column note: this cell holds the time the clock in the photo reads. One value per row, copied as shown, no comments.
4:37
